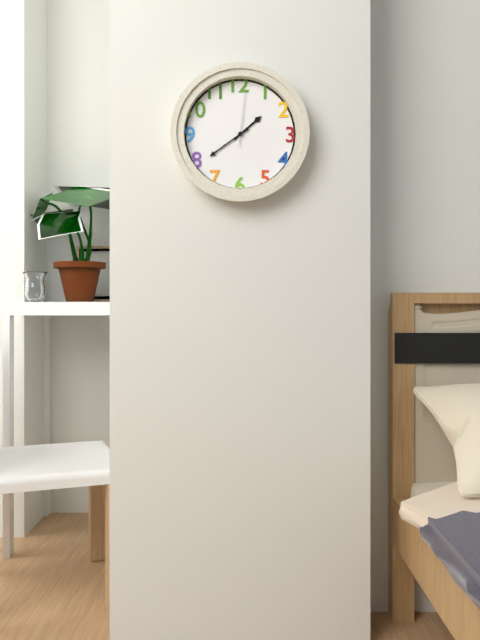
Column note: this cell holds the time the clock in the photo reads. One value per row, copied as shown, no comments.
1:39:01
